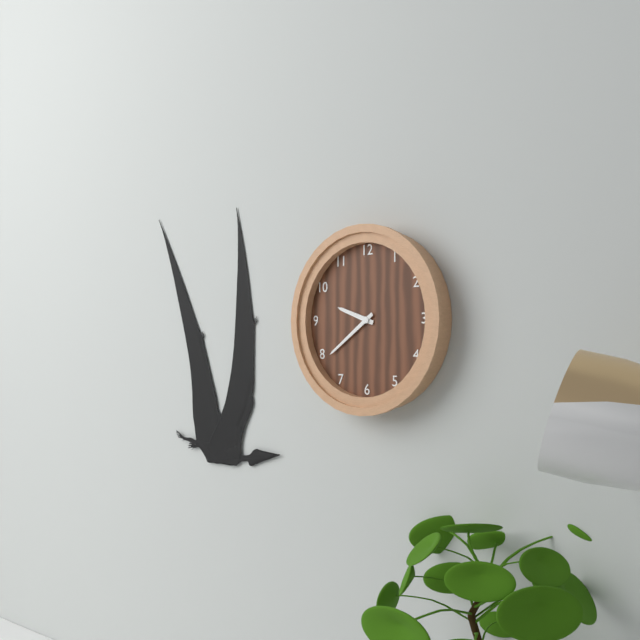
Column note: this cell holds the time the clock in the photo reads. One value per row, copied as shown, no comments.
9:39
